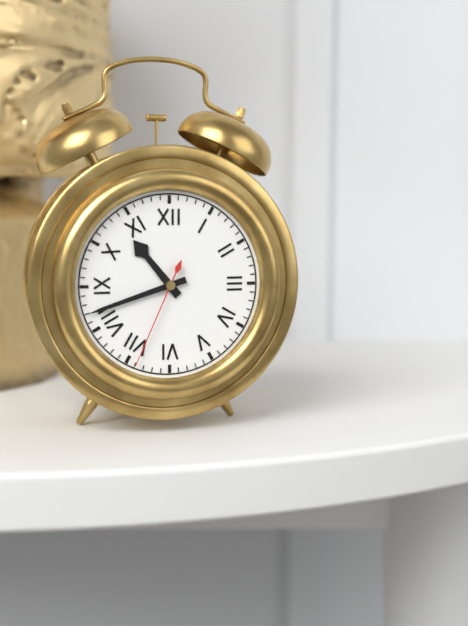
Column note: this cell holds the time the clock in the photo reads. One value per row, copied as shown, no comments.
10:42:34
